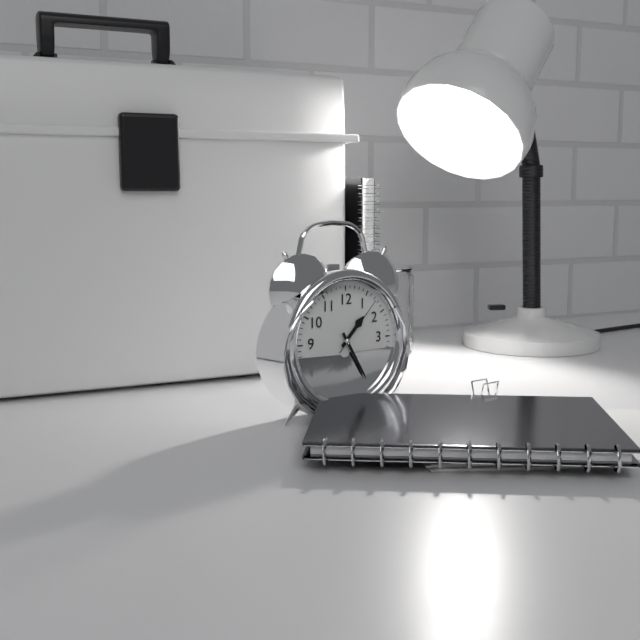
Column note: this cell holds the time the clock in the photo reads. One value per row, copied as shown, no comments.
1:25:07
